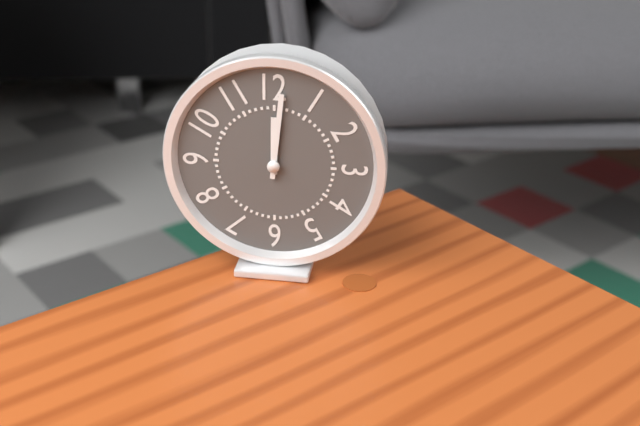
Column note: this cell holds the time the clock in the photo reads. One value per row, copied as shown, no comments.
12:01
